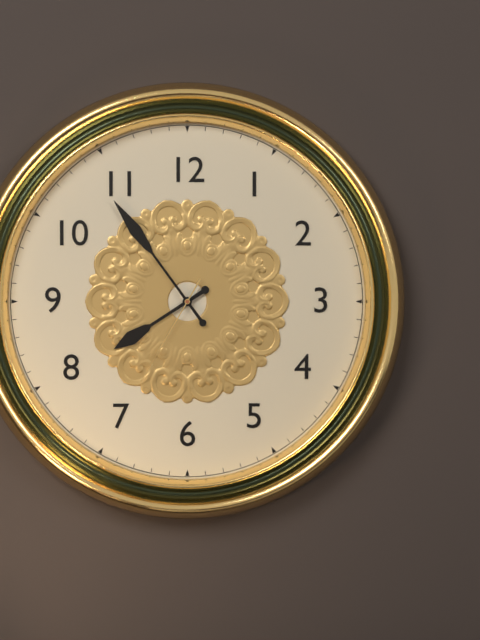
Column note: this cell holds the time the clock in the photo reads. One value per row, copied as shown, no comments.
7:54:35
